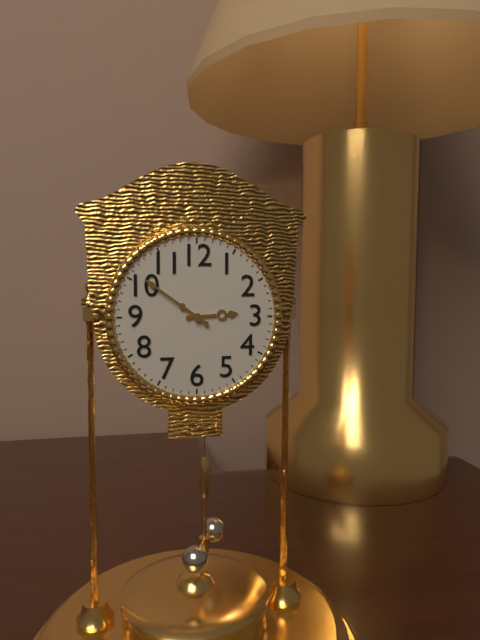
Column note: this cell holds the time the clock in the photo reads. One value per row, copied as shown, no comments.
2:51
